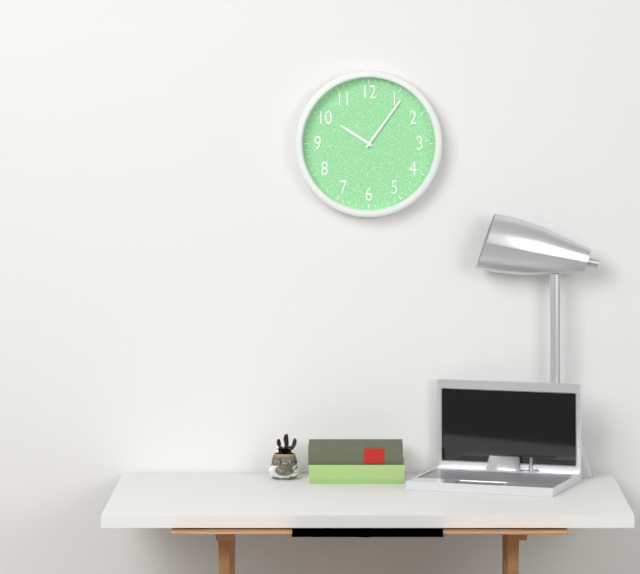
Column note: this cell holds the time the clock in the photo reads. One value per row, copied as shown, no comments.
10:06
